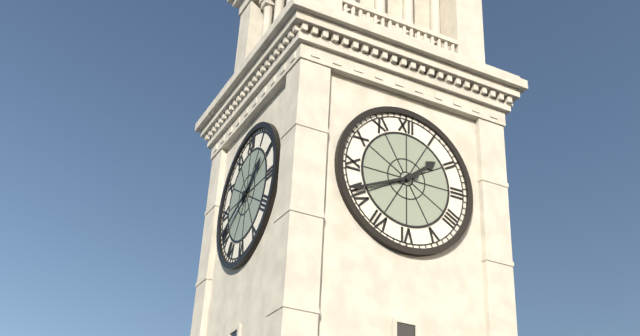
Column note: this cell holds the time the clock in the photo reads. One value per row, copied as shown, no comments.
1:41
